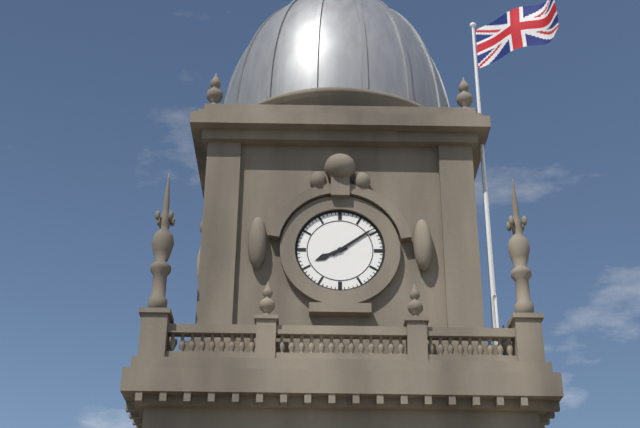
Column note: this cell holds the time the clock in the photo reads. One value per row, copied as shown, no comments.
8:09
